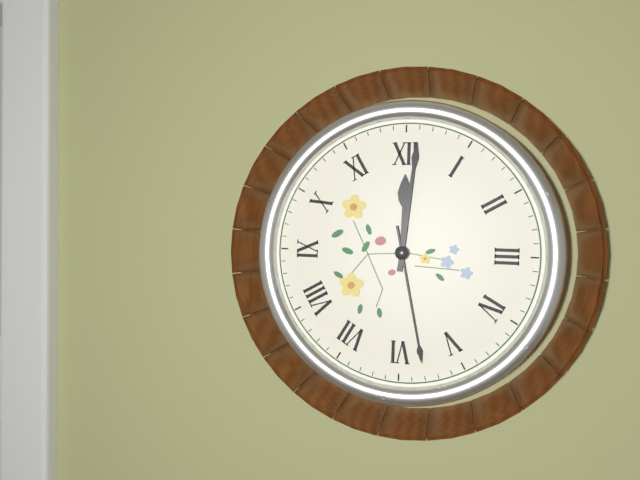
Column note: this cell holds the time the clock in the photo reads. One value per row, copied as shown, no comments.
12:01:28
